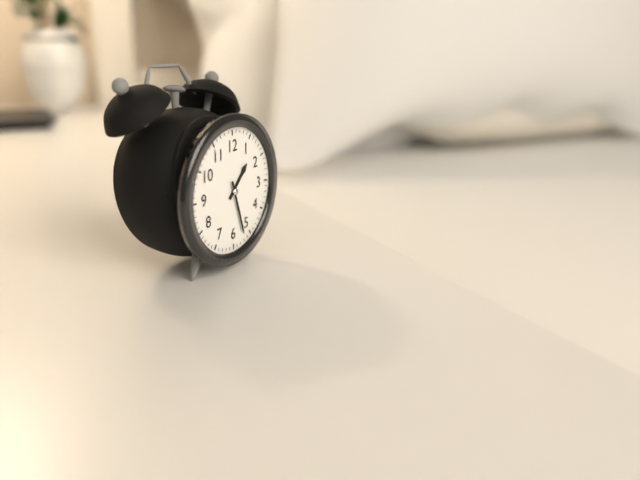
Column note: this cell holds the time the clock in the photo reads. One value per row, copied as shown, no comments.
1:27
